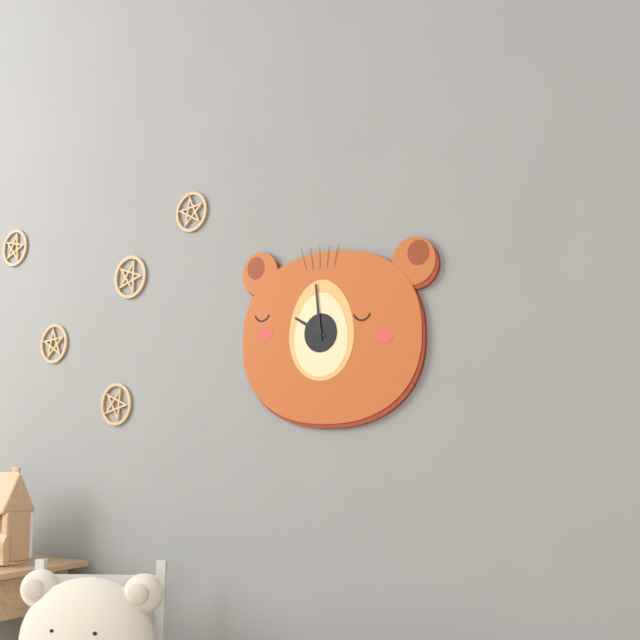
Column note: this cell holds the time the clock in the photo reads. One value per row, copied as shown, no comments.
9:59
